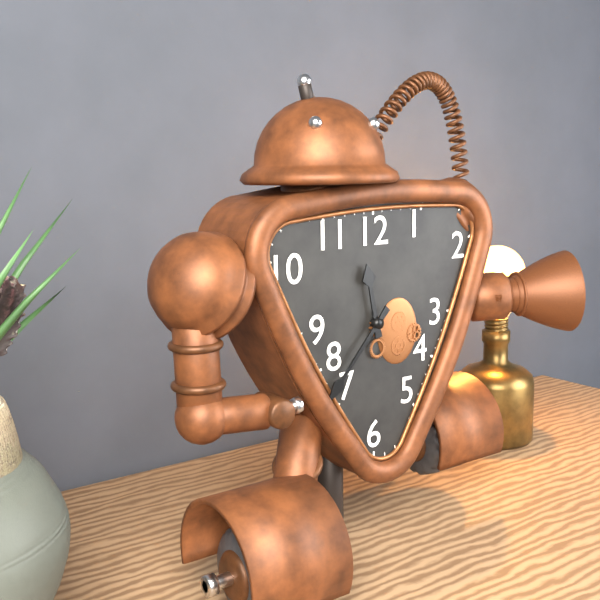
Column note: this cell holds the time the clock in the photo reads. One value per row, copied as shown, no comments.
11:37
